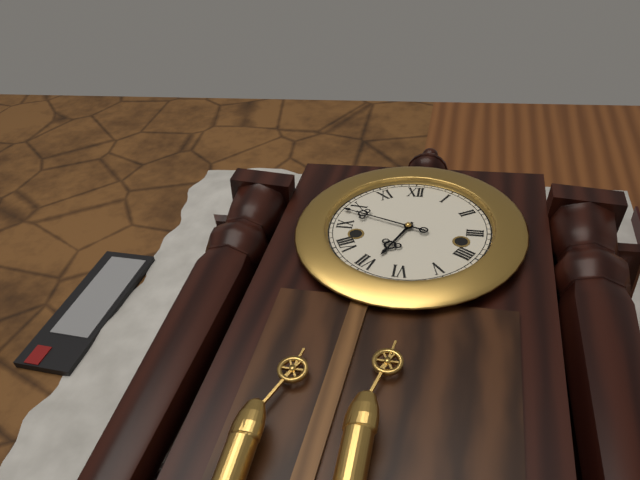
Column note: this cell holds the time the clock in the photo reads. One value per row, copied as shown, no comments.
6:48
